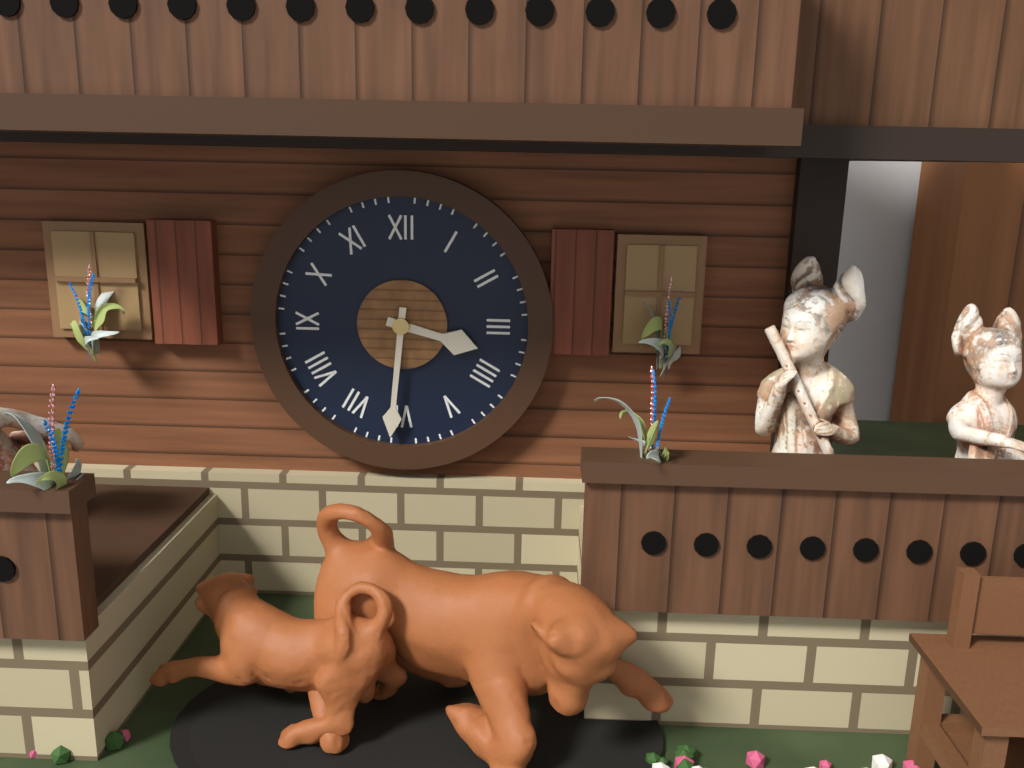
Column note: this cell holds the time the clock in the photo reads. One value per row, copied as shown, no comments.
3:31
